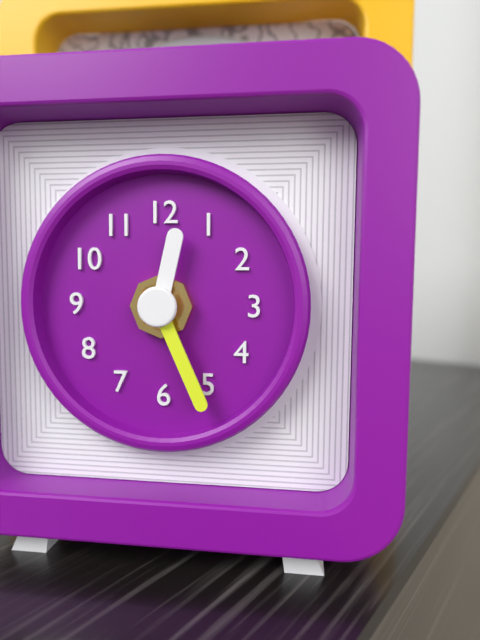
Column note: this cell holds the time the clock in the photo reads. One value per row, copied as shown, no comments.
12:26
